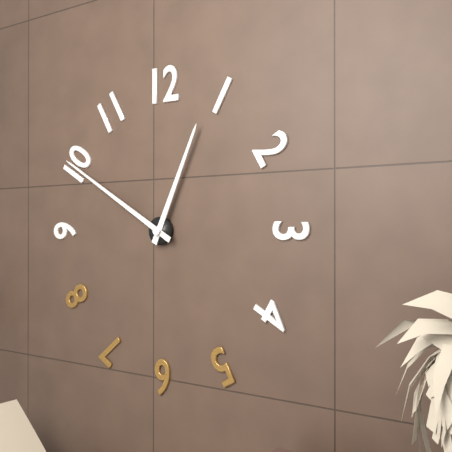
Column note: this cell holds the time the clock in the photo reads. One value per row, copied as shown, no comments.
12:50
